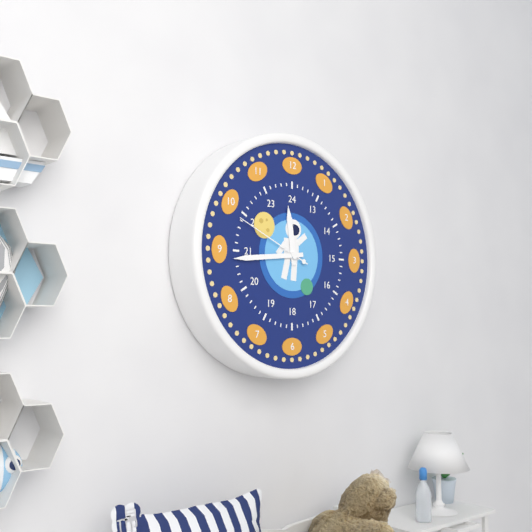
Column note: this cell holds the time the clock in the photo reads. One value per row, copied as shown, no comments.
11:44:49
